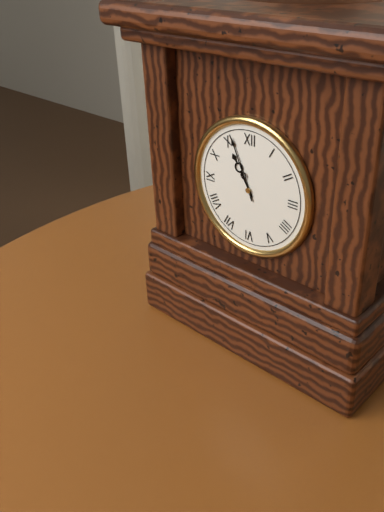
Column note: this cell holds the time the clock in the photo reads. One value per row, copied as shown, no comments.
10:56
